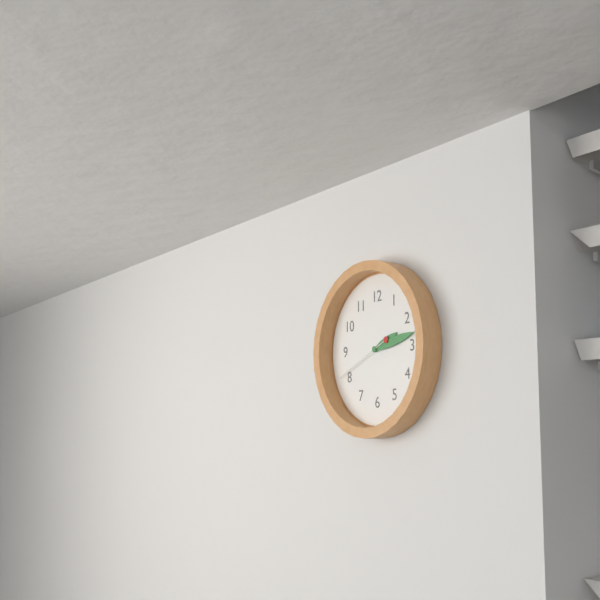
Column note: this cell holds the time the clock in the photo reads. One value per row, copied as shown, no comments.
2:13:41
